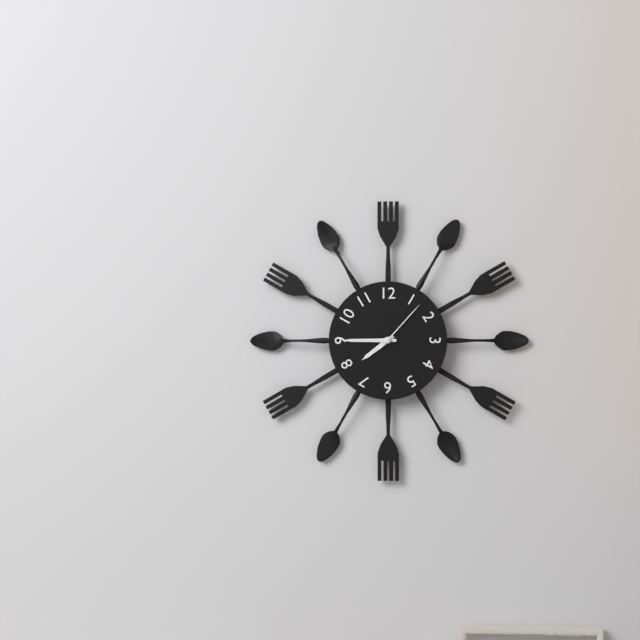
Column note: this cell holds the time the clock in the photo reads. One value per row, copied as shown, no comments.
7:45:07
